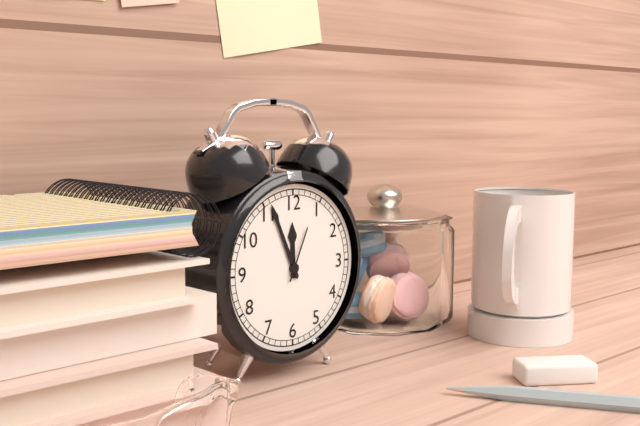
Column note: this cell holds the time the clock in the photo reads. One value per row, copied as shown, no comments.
11:56:04
